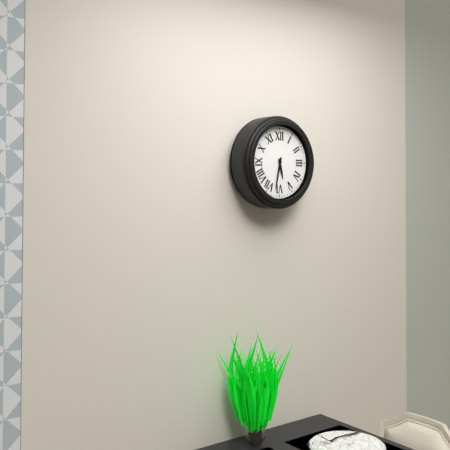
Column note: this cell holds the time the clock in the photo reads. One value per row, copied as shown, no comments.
5:32
